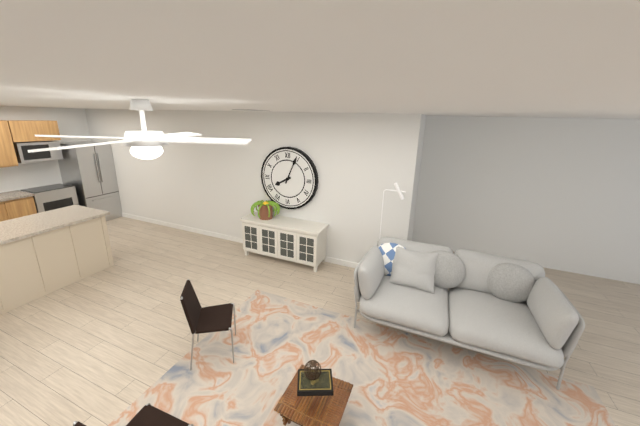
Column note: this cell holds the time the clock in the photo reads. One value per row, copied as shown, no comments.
8:04
